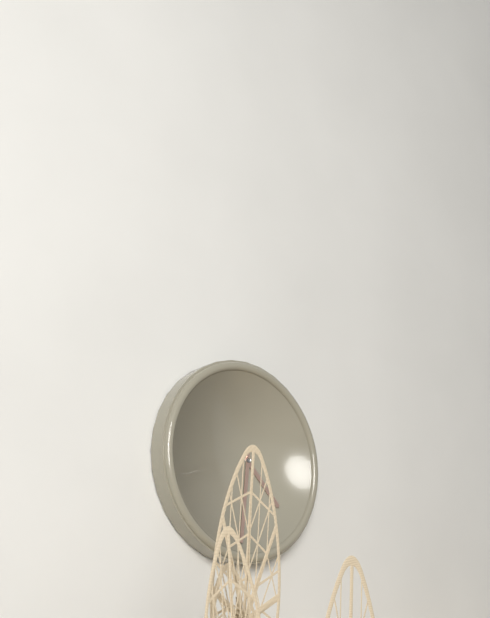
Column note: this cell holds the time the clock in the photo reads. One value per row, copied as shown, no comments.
4:31
